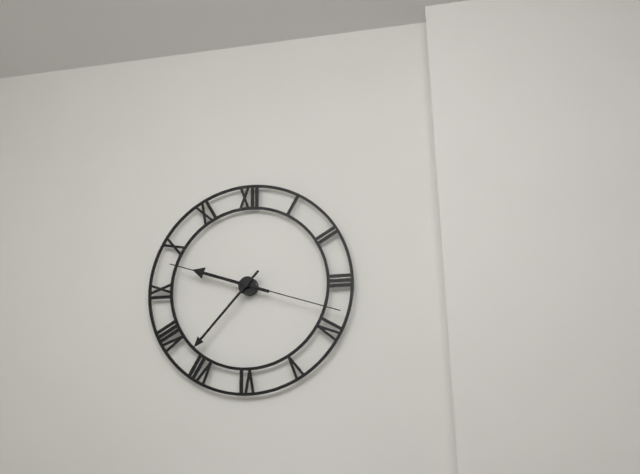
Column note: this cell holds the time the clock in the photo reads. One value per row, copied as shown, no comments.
9:37:18
